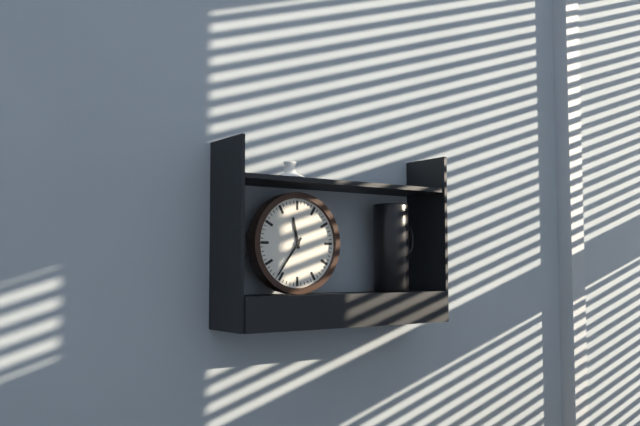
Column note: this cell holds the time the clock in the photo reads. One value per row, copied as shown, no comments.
11:36
